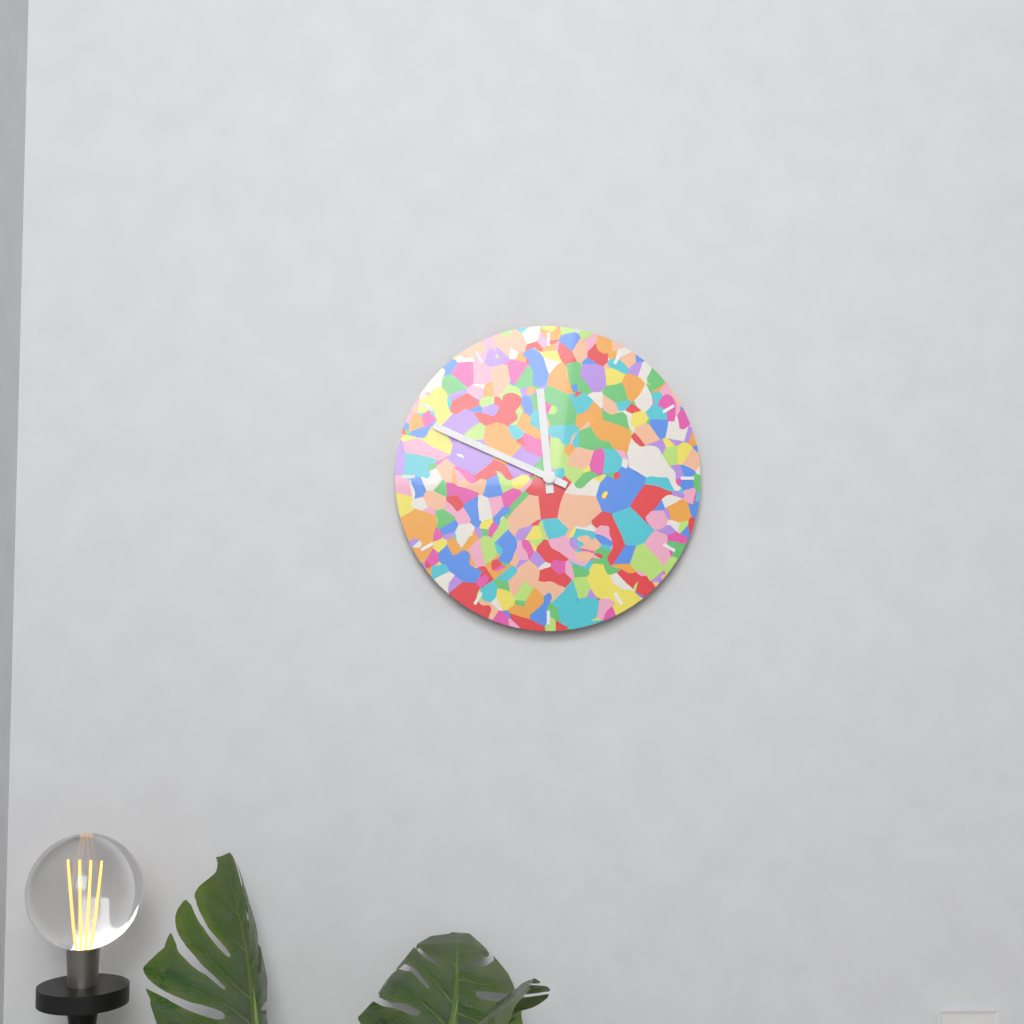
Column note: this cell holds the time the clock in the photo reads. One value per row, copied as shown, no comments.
11:49
